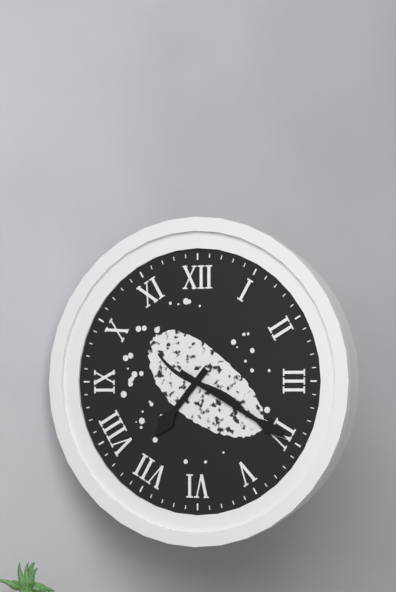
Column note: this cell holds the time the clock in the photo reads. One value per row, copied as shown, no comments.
7:20
